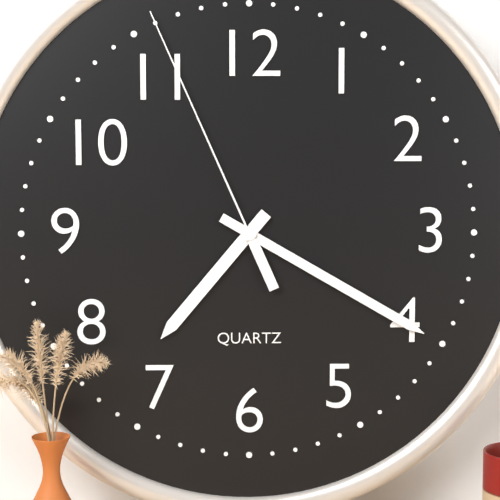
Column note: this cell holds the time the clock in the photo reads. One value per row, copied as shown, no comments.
7:20:56
